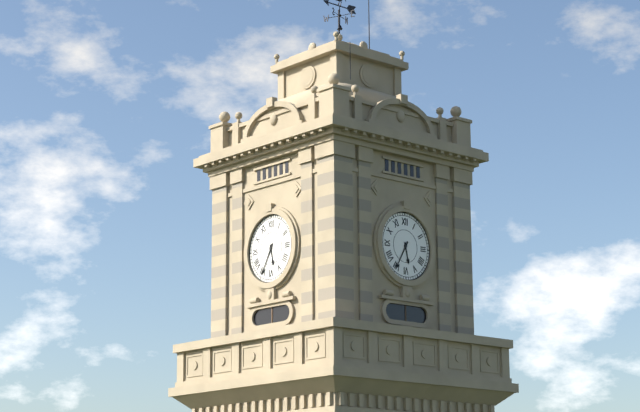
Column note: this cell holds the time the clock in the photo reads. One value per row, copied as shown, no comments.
5:35
